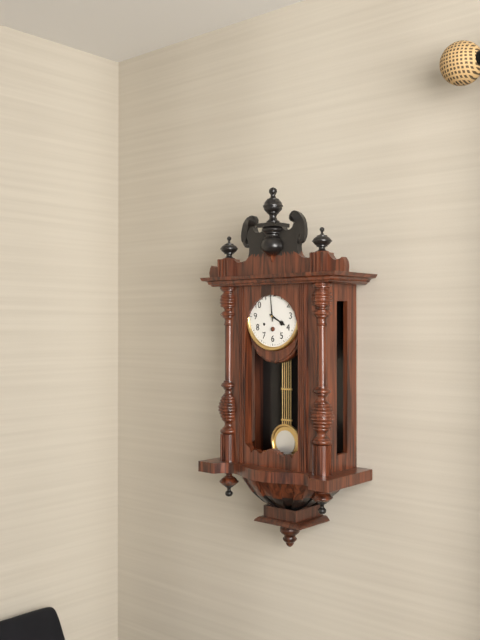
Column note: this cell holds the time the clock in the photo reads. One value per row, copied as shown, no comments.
3:59
